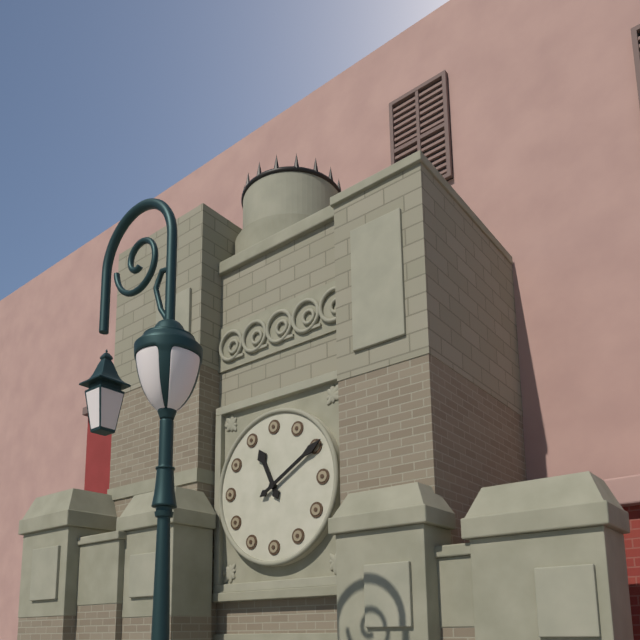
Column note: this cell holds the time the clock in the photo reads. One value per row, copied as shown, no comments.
11:10
